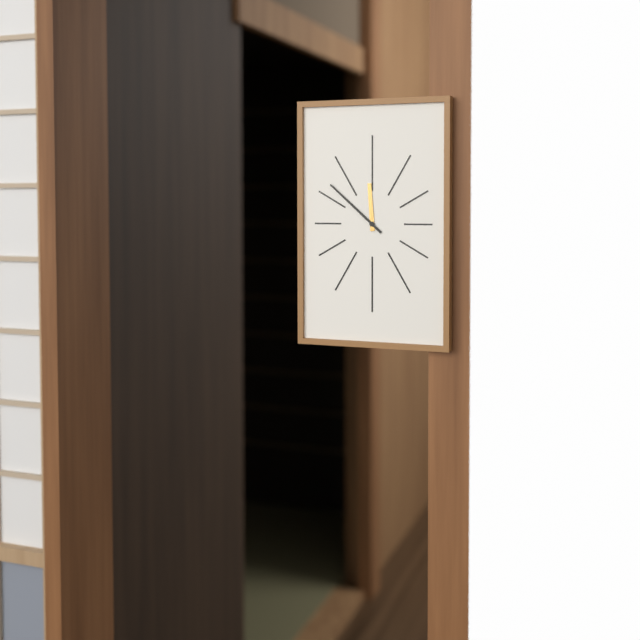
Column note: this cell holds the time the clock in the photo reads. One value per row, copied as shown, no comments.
11:52
